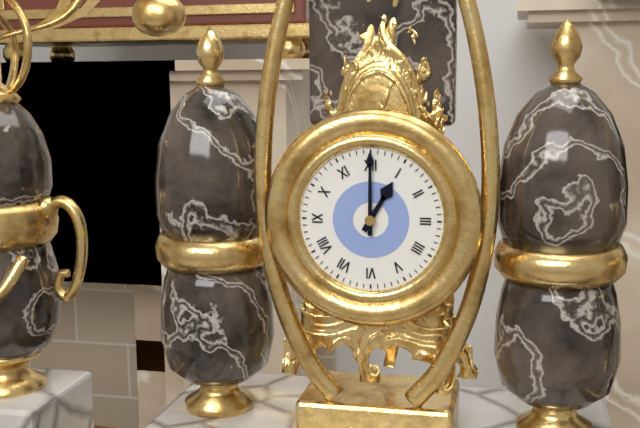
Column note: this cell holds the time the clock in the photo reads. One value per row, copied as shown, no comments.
1:00
